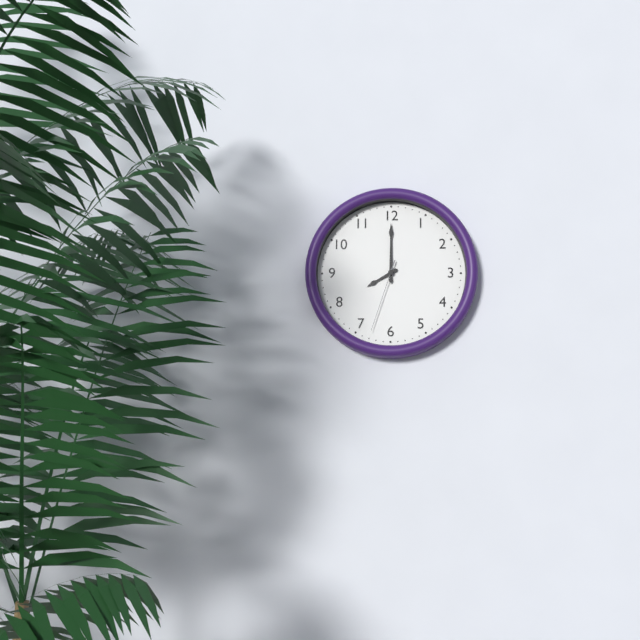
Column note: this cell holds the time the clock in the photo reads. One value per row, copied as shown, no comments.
8:00:33
